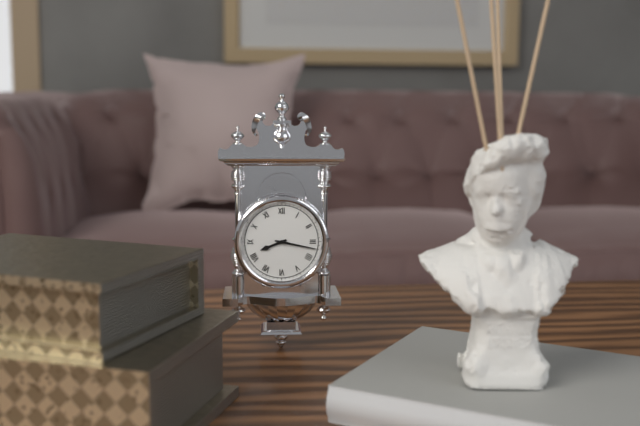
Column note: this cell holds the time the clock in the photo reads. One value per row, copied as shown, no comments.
8:17
